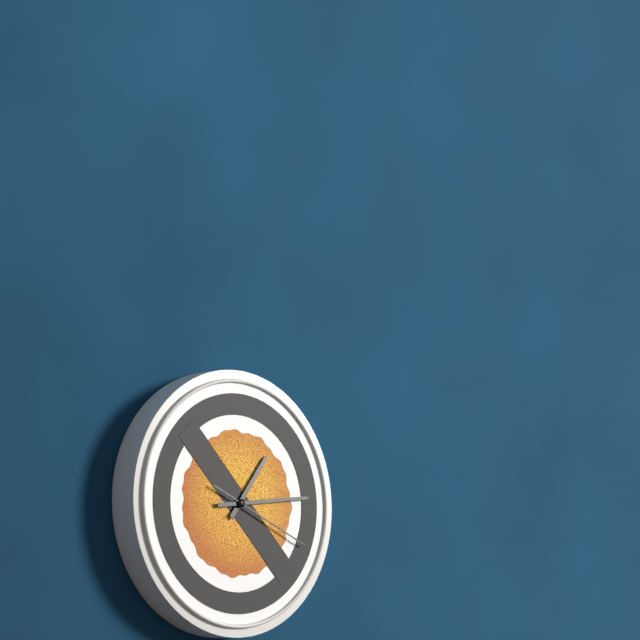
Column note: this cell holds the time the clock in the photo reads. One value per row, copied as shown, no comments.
1:14:19
